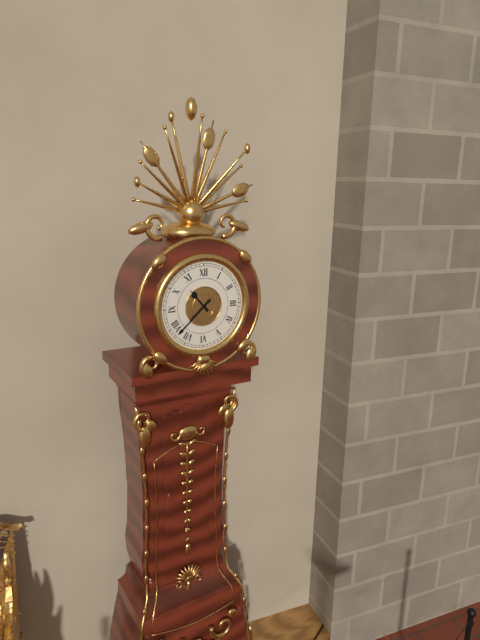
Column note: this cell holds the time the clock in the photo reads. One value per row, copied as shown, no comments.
10:38
